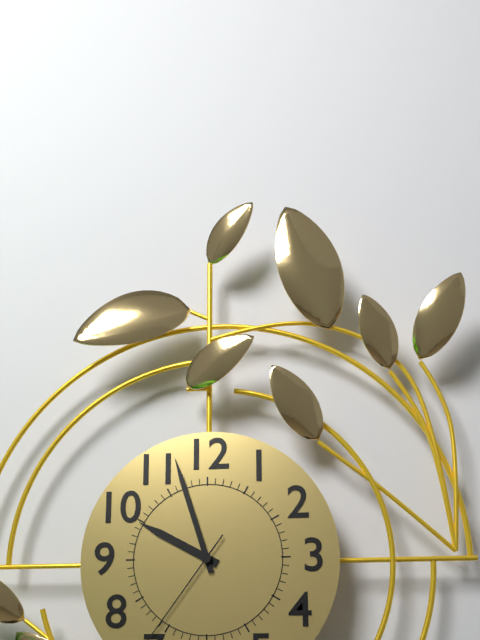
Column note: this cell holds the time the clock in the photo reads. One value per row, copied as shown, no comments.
9:57
